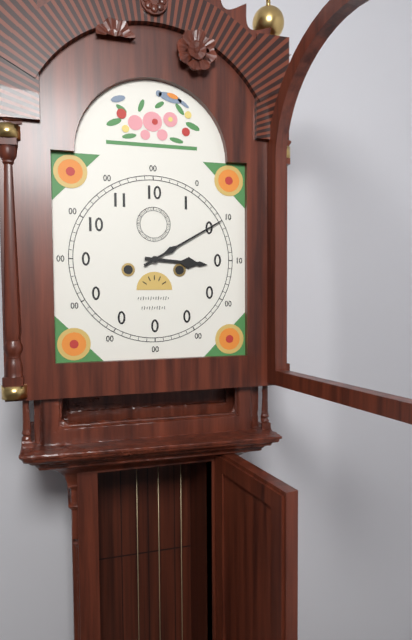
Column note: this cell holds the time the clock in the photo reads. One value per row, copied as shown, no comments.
3:10
